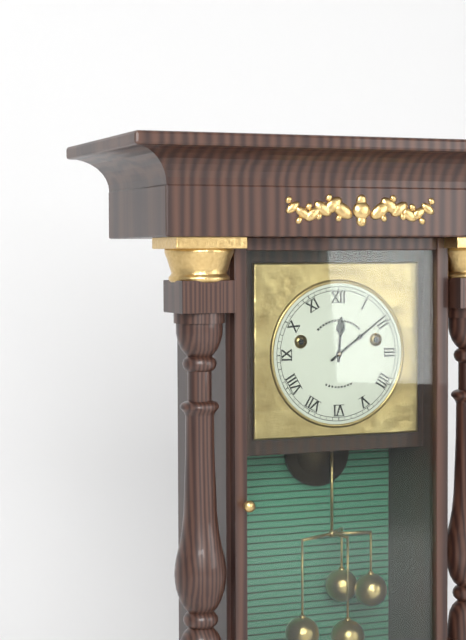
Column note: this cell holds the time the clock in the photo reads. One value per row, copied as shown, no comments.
12:09
